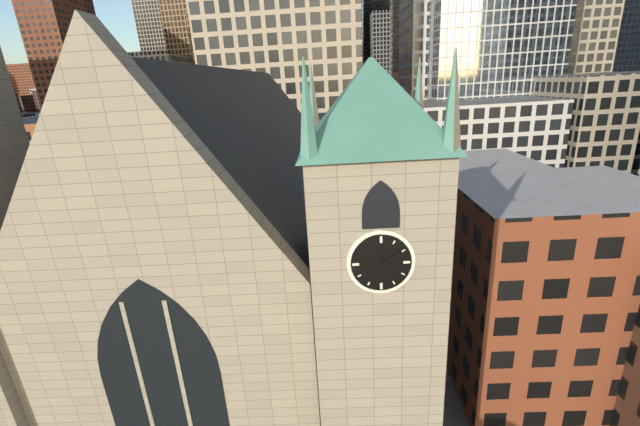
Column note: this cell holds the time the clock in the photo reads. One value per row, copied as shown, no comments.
12:09
